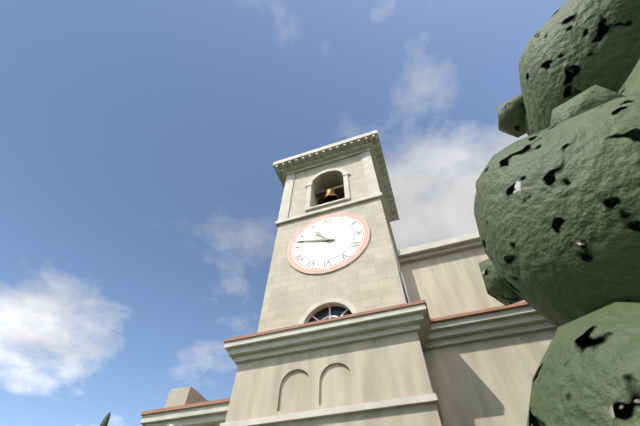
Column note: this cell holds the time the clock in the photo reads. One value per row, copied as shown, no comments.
10:48
